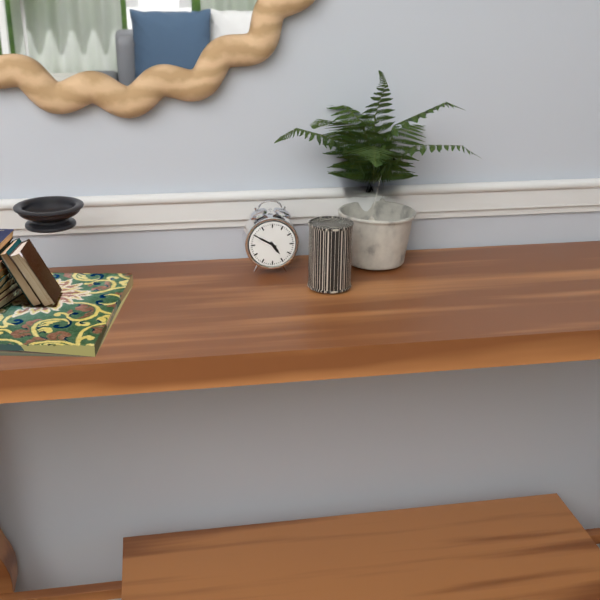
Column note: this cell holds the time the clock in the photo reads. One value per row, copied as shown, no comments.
4:50
